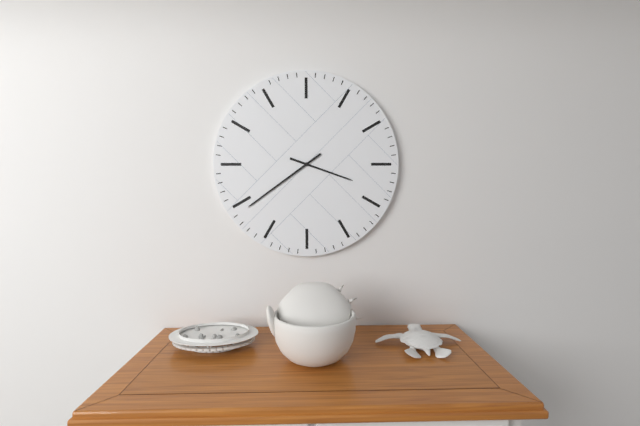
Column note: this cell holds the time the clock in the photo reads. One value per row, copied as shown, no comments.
3:39
